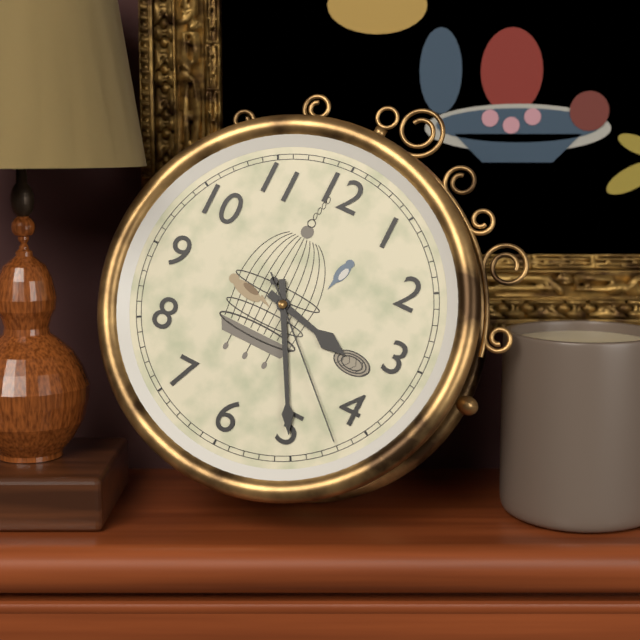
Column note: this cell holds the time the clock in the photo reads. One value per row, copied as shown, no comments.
3:25:22
